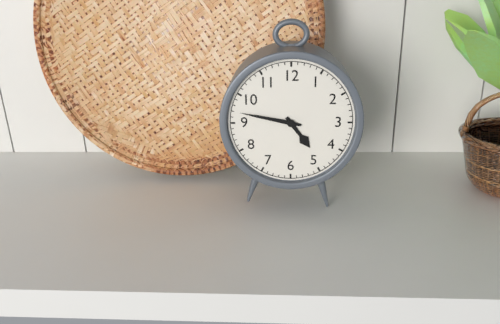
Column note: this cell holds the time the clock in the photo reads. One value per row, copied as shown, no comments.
4:47
